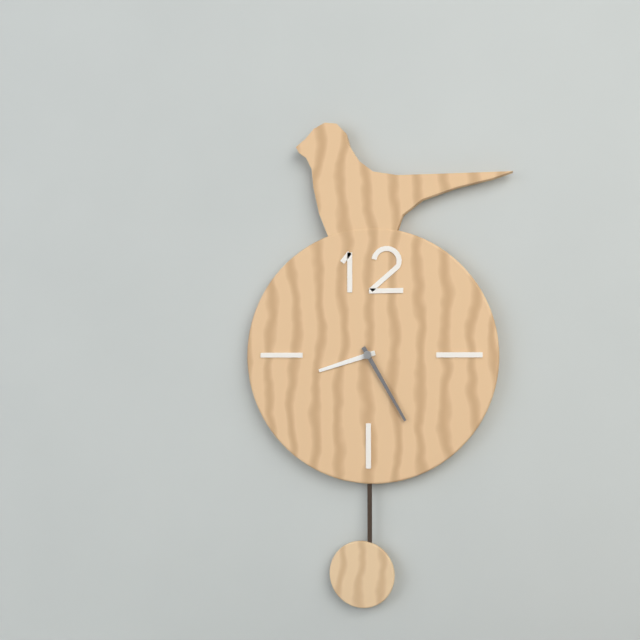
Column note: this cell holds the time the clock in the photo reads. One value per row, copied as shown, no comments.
8:25
